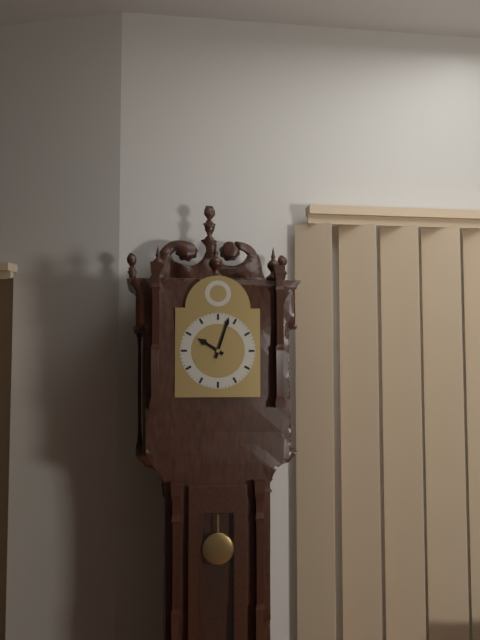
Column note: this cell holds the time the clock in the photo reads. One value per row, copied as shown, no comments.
10:03
